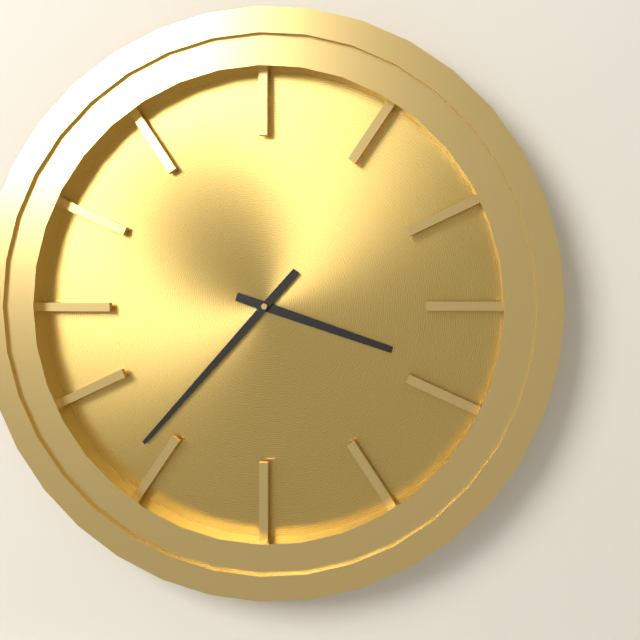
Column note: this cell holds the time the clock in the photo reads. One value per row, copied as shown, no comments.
3:37
